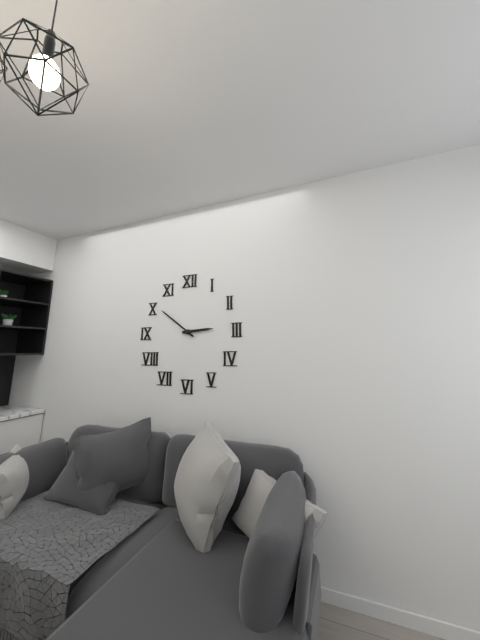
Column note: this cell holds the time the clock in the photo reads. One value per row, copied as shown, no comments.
2:51
